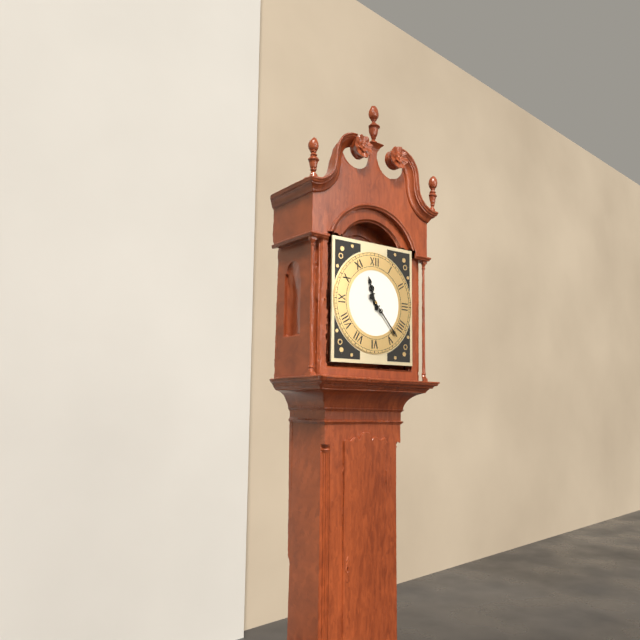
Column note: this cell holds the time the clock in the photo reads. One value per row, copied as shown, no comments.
11:23
